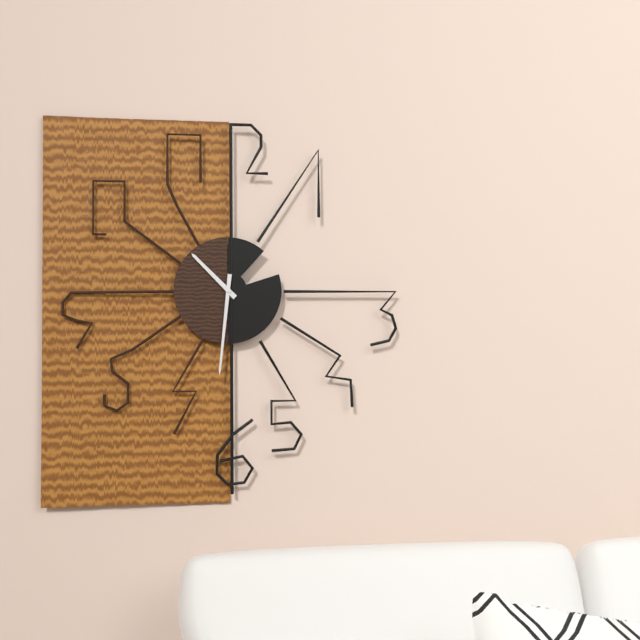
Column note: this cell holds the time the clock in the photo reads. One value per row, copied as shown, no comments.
10:31
